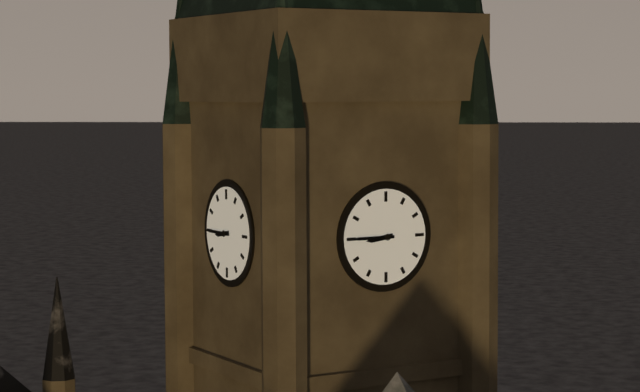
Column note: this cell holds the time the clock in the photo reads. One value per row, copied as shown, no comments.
8:45
